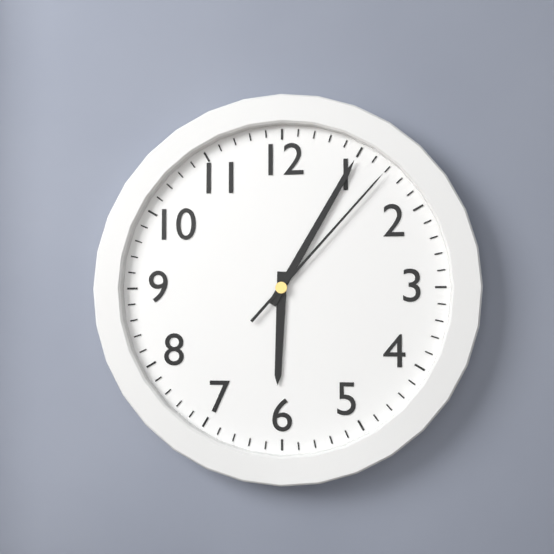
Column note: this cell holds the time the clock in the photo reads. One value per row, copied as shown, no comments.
6:05:07
